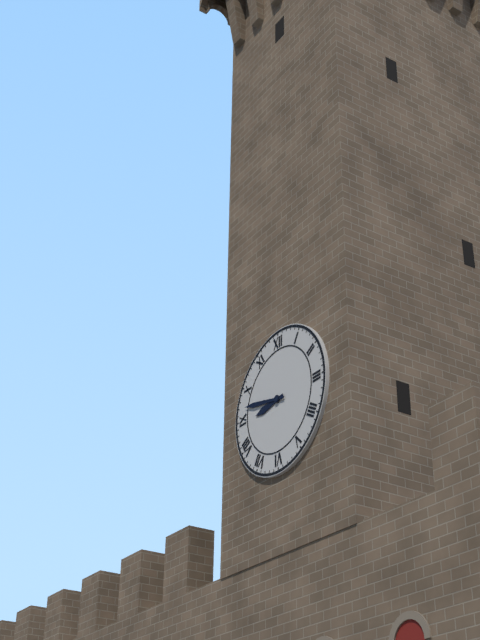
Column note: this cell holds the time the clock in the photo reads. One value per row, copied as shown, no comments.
8:47
